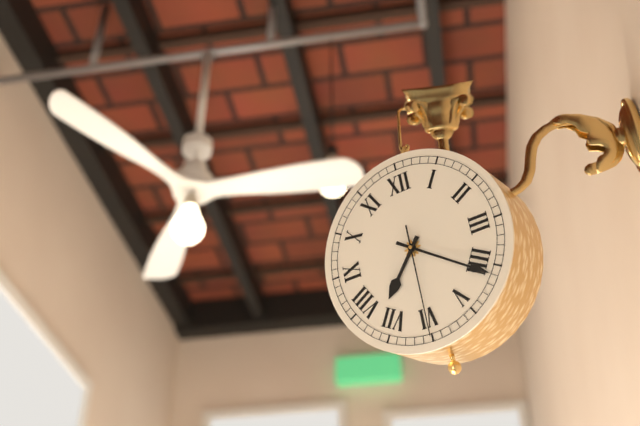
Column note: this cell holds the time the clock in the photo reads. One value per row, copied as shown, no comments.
7:21:30
